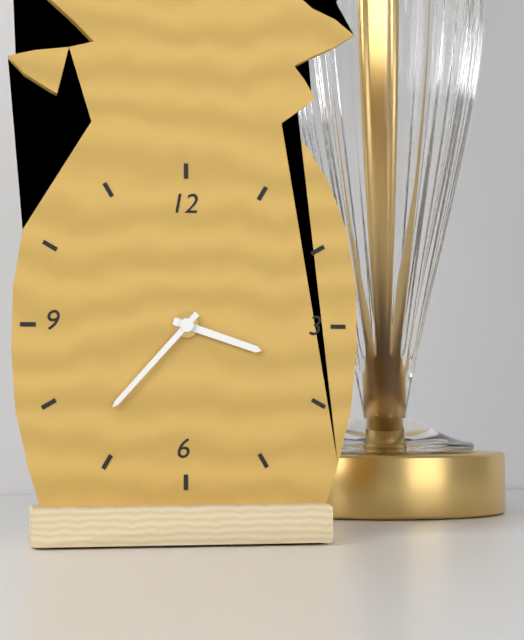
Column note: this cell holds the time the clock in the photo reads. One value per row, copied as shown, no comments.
3:37
